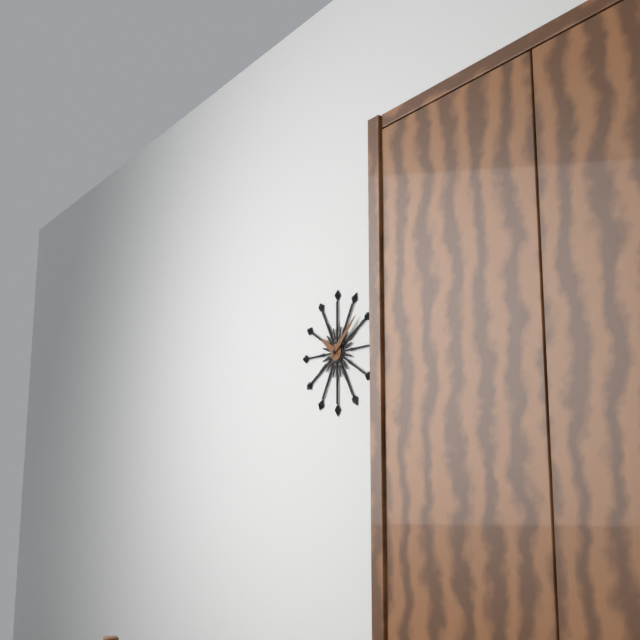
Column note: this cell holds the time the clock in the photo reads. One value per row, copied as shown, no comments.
10:08
